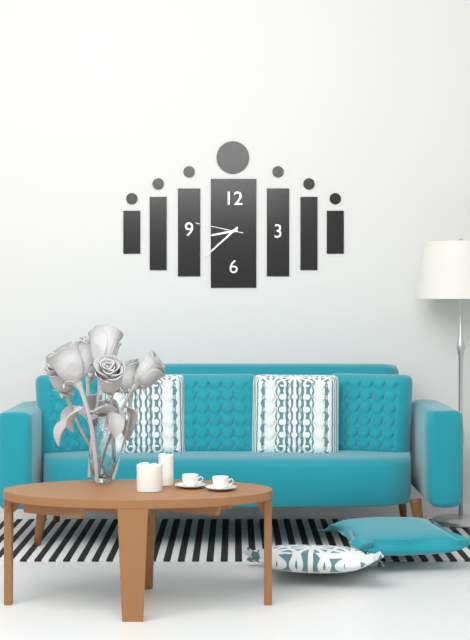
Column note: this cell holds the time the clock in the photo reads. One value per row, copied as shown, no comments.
8:38
